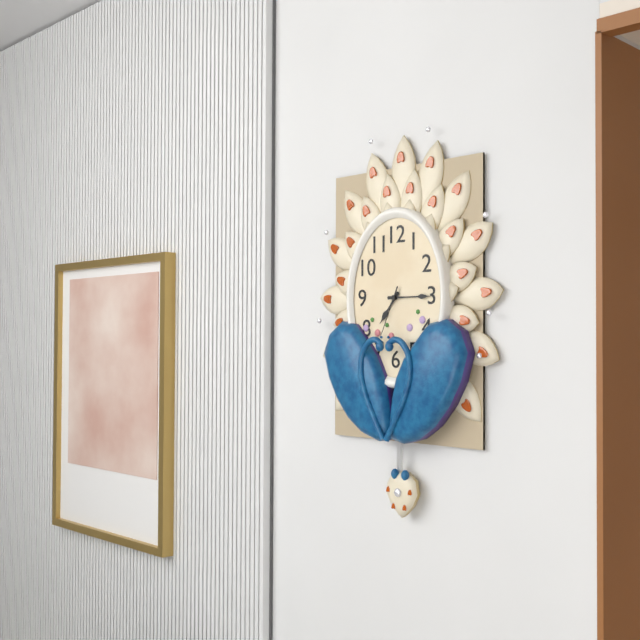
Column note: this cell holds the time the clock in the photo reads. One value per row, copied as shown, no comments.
7:15:34
